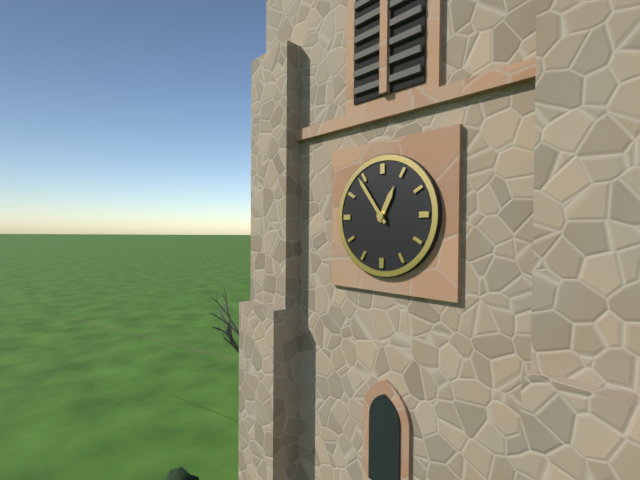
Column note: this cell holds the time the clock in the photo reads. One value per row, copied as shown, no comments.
12:54
